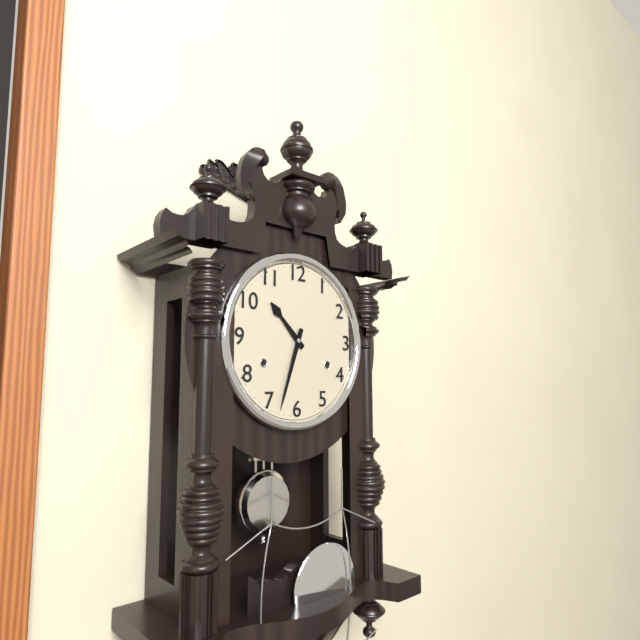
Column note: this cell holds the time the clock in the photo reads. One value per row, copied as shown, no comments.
10:33
